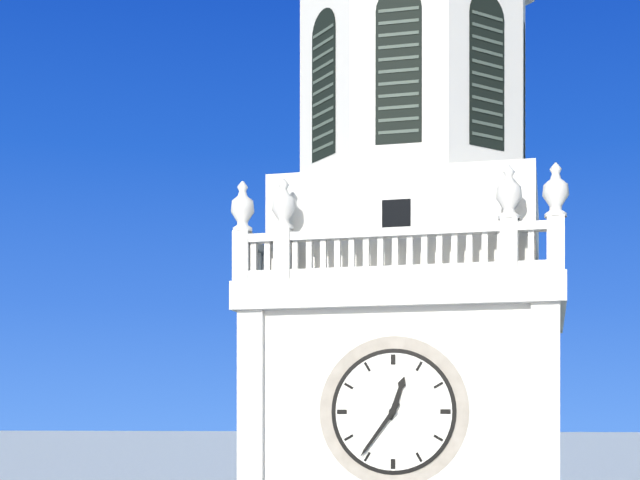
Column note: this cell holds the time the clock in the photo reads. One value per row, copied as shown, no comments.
12:36
